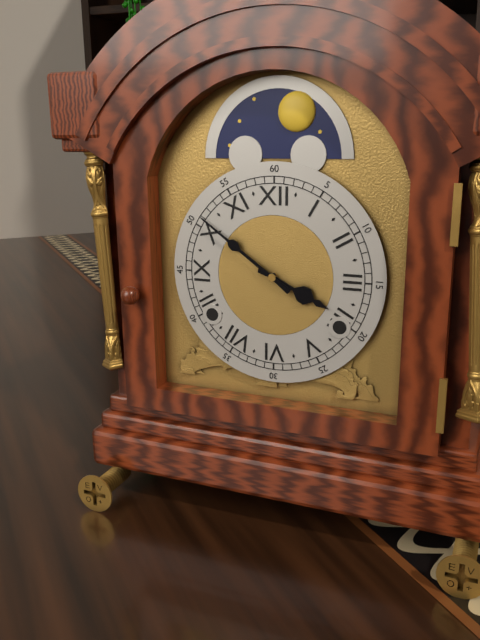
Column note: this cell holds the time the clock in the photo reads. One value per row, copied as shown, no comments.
3:51
